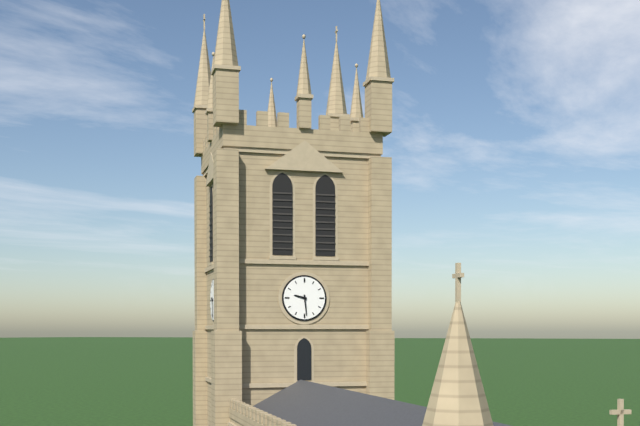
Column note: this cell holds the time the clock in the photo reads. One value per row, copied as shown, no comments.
9:29
